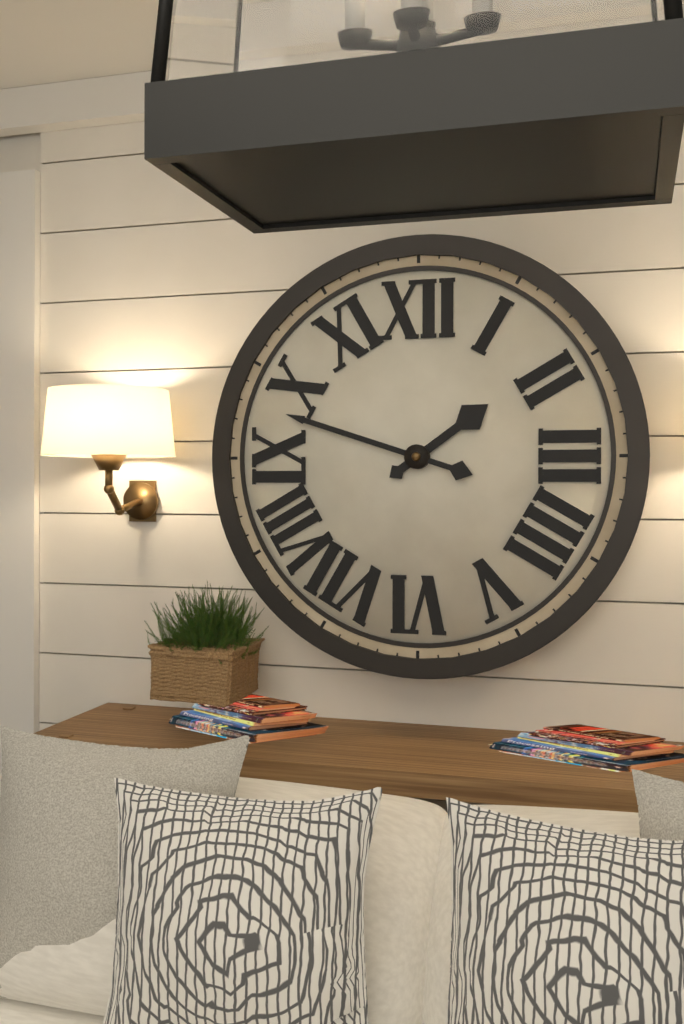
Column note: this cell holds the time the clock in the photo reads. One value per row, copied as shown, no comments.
1:48
